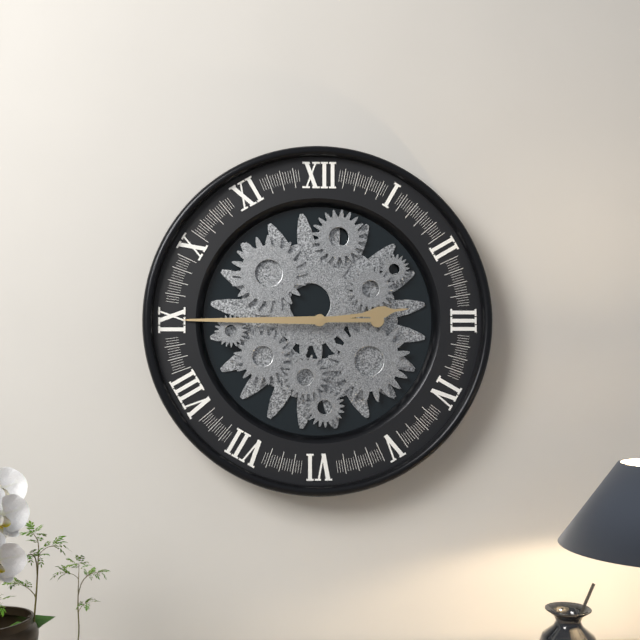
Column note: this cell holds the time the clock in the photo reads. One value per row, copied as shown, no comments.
2:45
